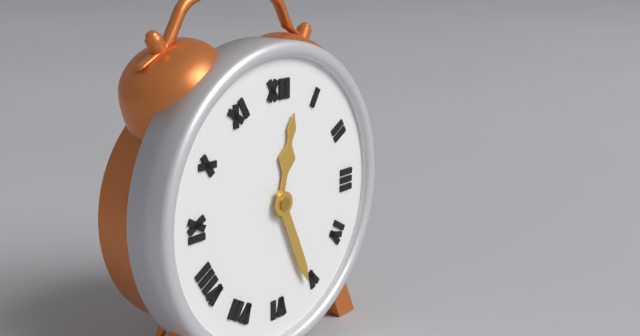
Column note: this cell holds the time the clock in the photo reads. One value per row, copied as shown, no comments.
12:26
